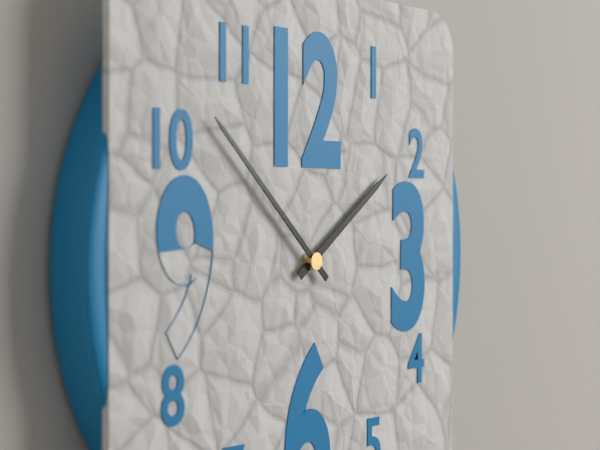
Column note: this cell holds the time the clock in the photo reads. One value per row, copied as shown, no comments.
1:52
